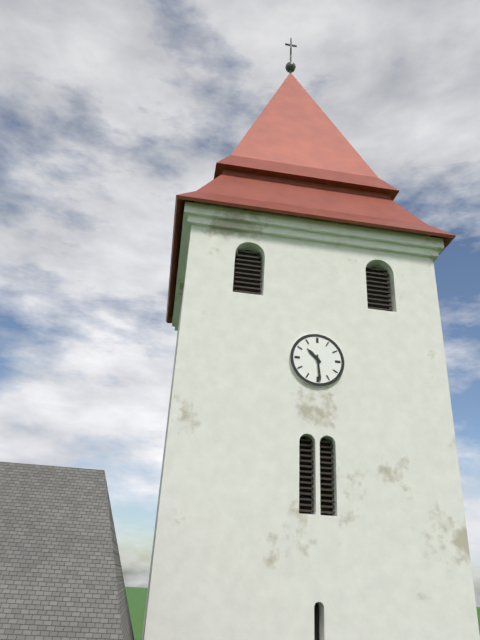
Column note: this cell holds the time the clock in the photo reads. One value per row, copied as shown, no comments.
10:29
